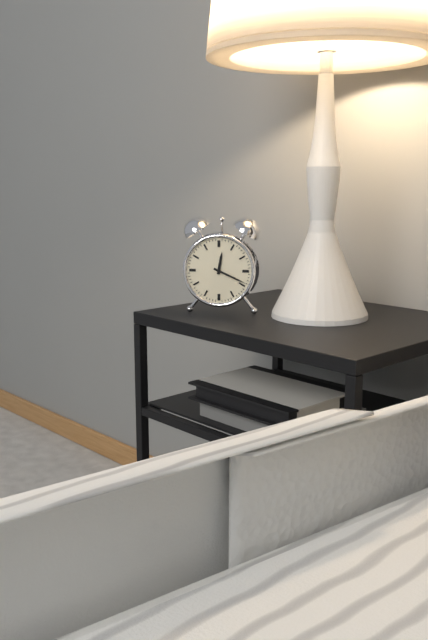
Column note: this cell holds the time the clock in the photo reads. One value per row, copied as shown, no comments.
12:19
